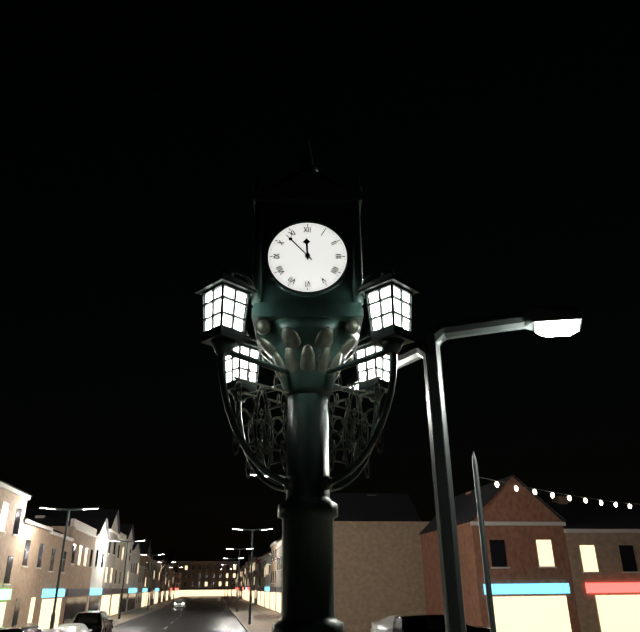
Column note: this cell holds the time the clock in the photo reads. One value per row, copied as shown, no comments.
11:53
